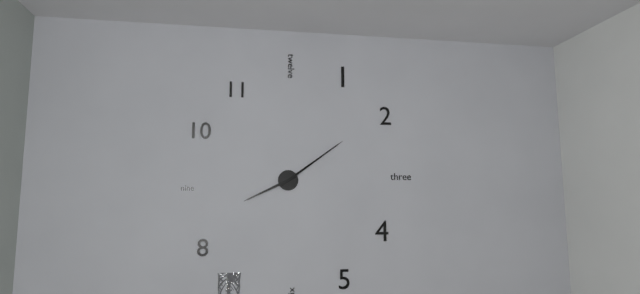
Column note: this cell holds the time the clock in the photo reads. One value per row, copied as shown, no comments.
8:09
